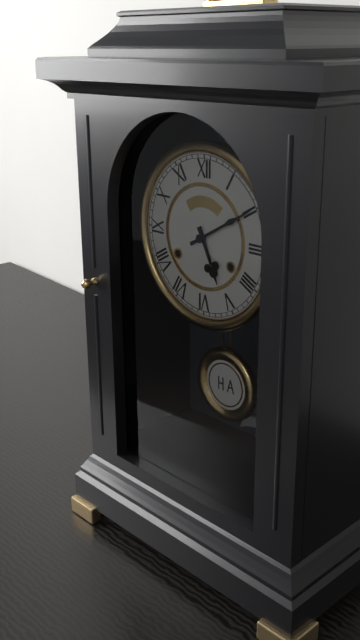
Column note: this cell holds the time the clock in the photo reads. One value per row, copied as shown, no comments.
5:10
